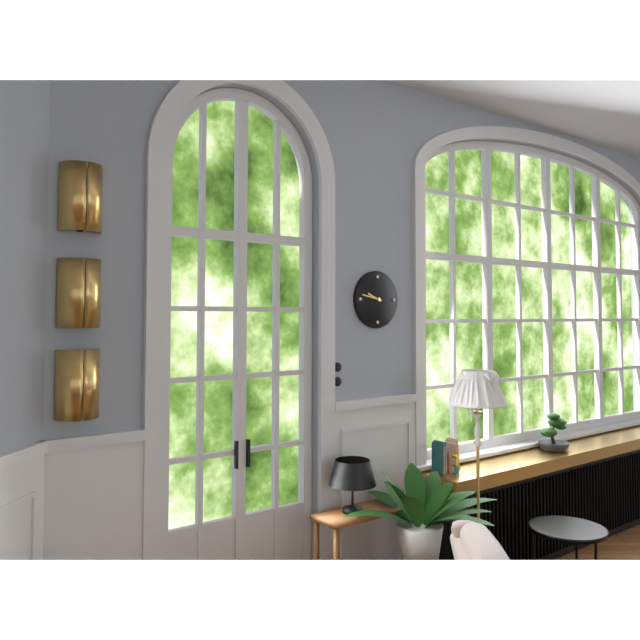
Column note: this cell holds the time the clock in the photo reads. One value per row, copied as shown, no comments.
9:47
